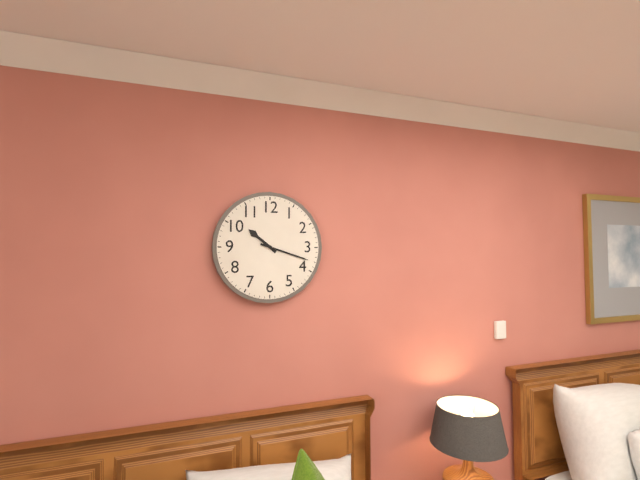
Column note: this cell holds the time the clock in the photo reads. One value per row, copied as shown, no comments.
10:18
